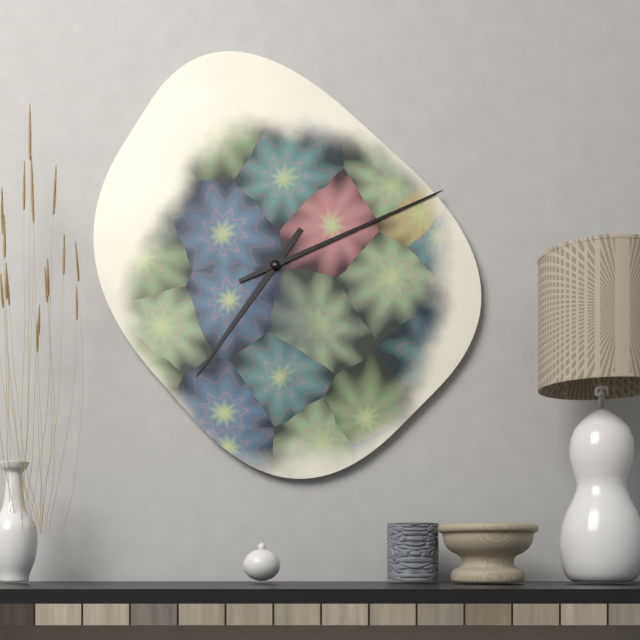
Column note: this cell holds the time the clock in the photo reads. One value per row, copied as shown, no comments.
7:11
